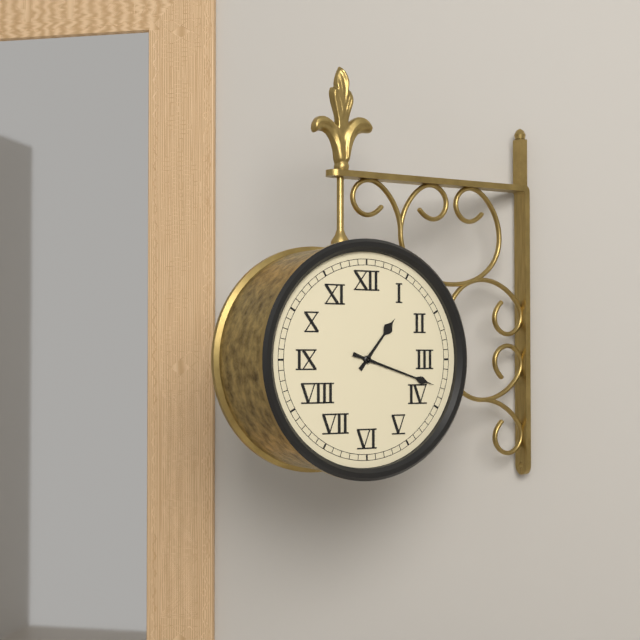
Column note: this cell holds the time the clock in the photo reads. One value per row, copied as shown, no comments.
1:18
